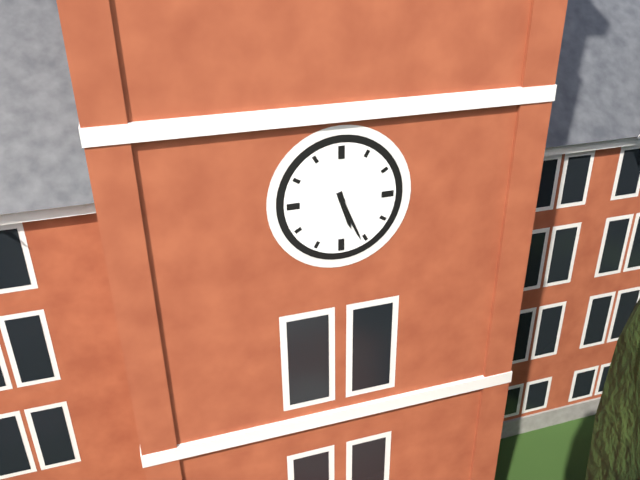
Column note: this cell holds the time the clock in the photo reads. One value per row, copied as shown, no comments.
5:26
